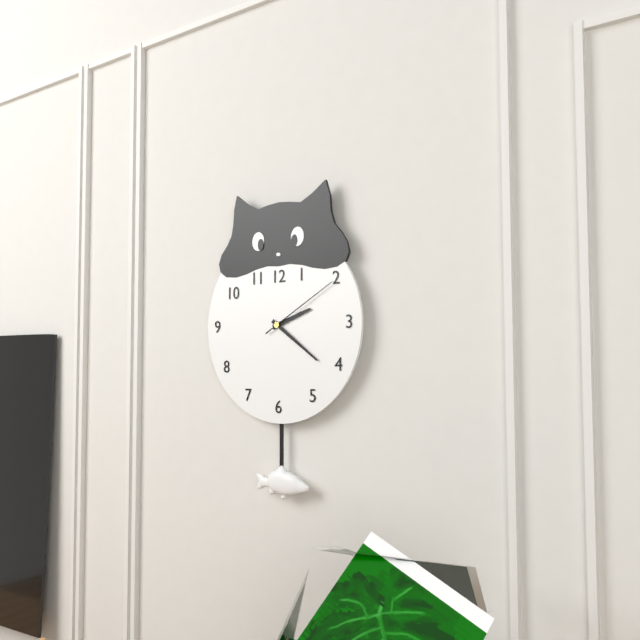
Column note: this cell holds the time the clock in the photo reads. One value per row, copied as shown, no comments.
2:21:10
